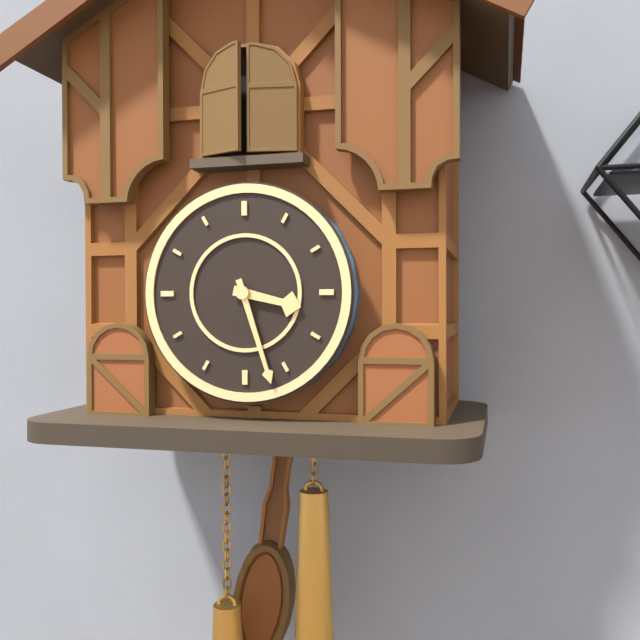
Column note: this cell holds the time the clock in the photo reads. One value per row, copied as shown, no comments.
3:27
